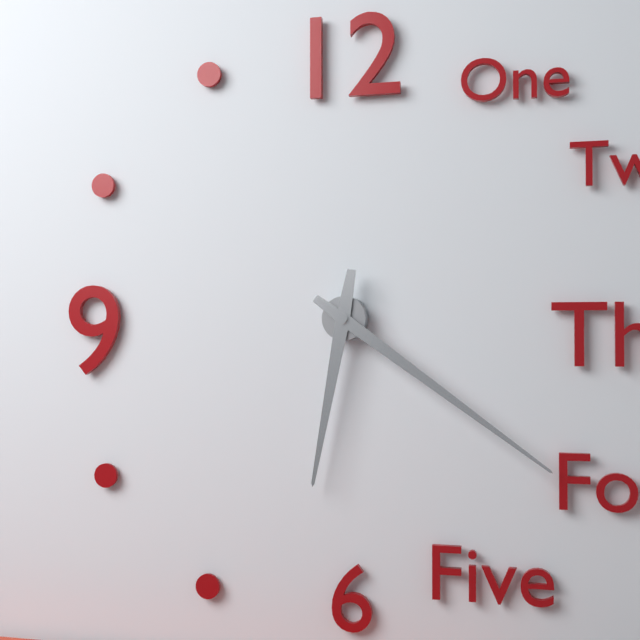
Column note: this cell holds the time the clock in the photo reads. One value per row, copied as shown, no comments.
6:21
